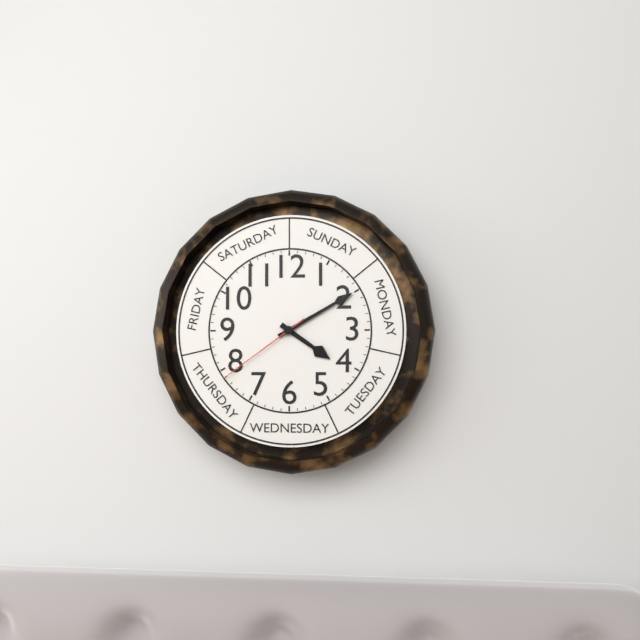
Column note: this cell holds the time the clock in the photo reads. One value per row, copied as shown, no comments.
4:10:39
